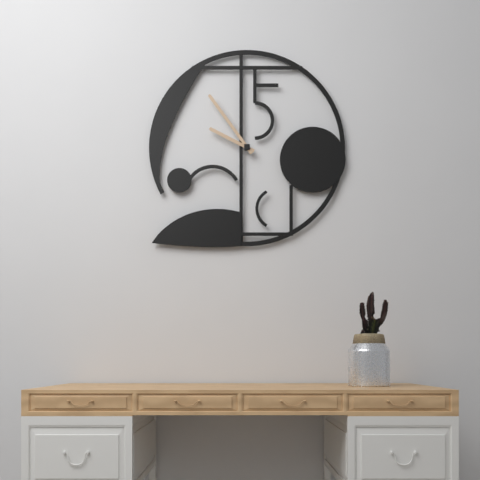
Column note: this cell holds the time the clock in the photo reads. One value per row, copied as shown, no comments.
9:54
